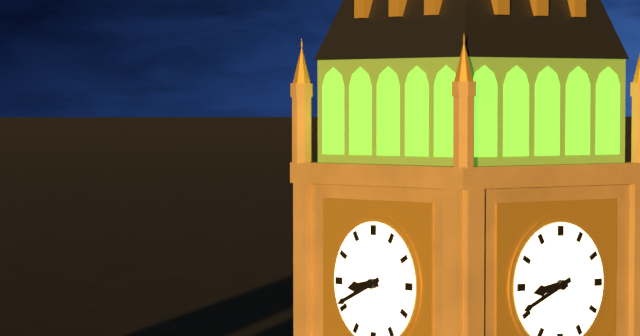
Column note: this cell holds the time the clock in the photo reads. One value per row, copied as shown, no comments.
8:41
